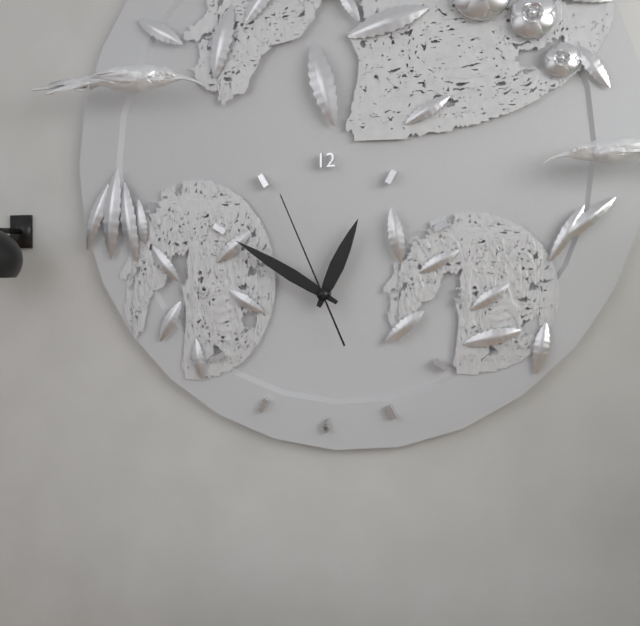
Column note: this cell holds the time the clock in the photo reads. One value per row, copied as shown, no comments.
12:50:56
